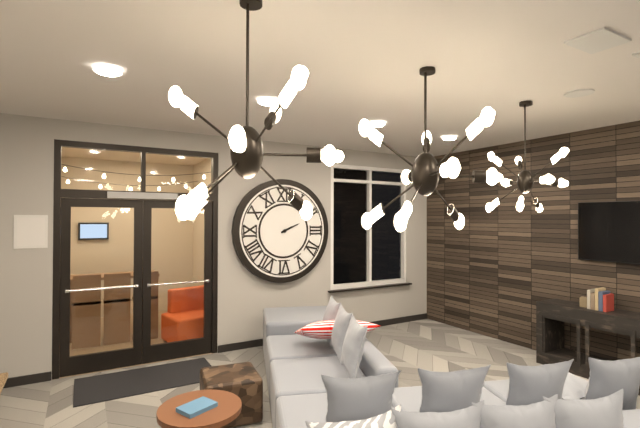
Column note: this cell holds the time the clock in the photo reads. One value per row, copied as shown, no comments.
2:11
